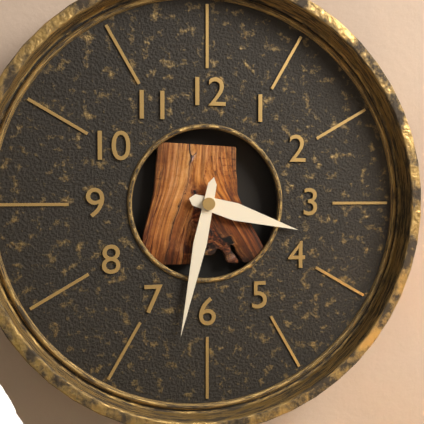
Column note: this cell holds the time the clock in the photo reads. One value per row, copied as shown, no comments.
3:32
